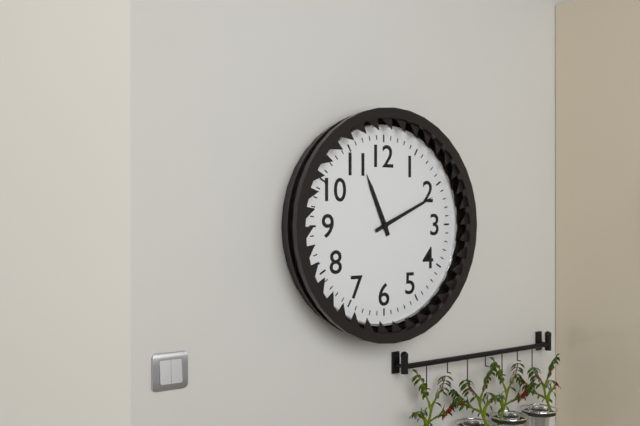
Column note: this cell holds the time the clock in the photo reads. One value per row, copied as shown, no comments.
11:11
